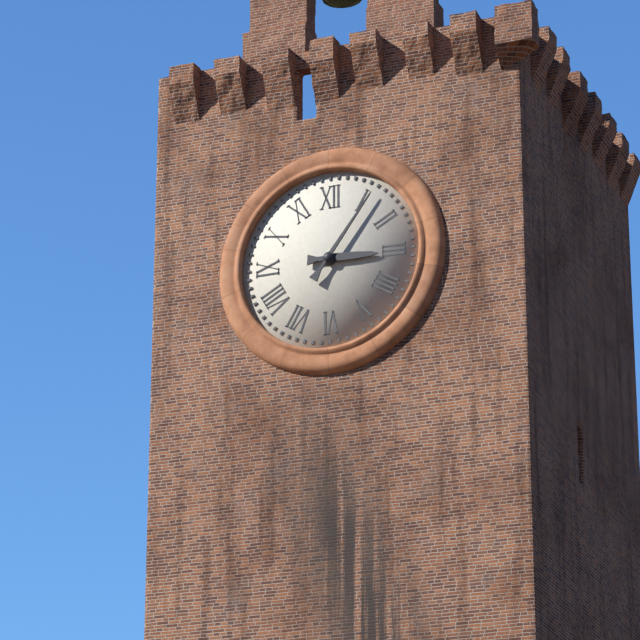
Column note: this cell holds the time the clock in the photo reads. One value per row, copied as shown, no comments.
3:06
